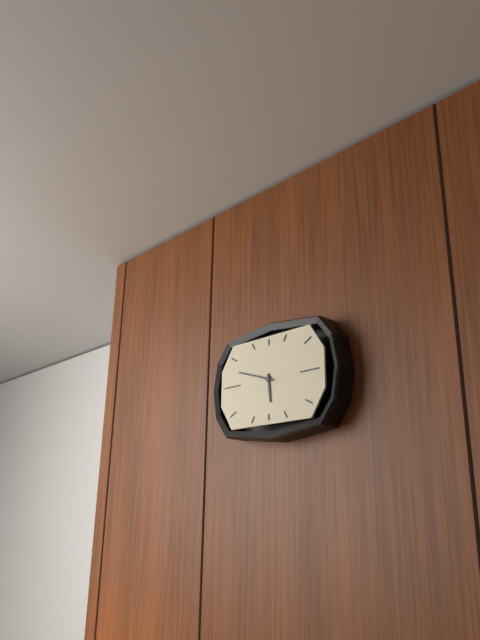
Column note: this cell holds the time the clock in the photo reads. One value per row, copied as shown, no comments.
5:48
